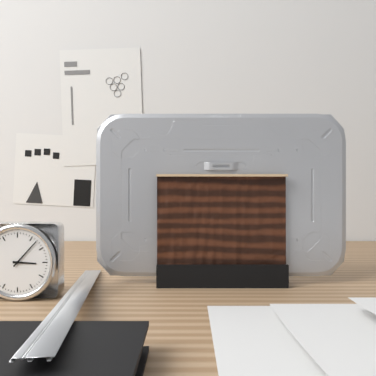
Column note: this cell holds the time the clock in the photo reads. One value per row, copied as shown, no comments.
3:07
